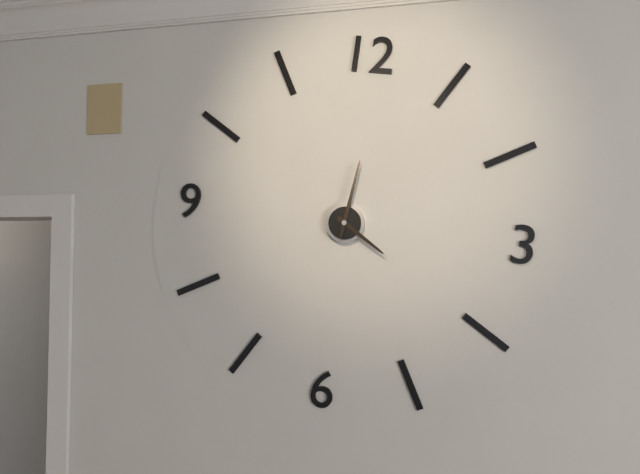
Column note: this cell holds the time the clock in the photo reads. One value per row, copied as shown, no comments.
4:01
